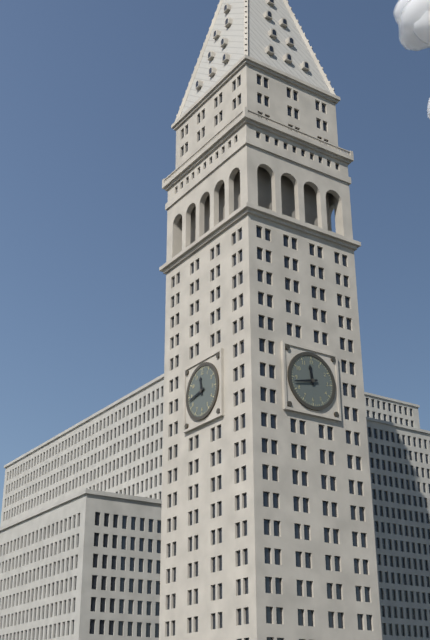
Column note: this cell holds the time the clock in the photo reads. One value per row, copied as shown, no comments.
11:43
